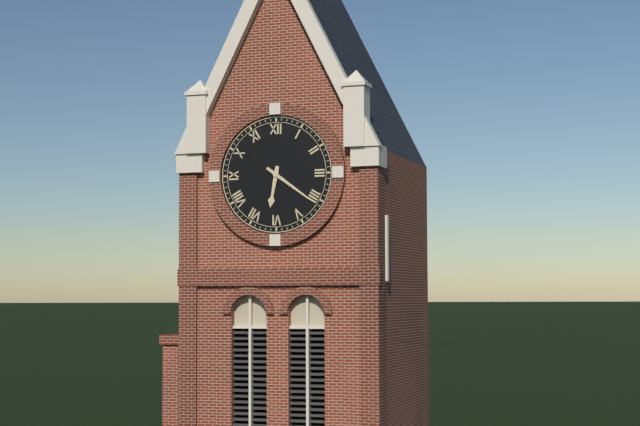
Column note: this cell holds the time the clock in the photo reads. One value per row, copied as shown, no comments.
6:21
